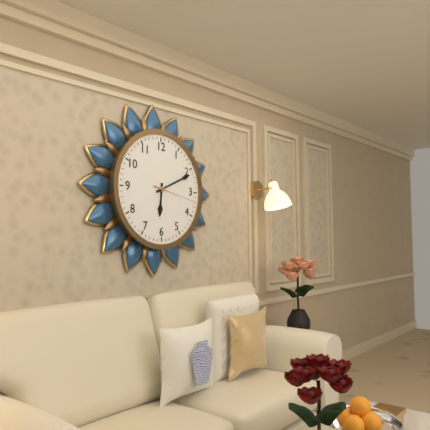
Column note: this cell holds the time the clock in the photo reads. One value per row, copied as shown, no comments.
6:11
